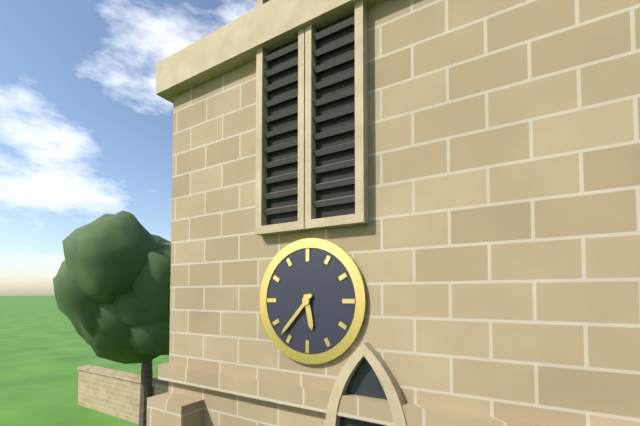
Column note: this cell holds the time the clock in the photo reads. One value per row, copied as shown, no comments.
5:37
